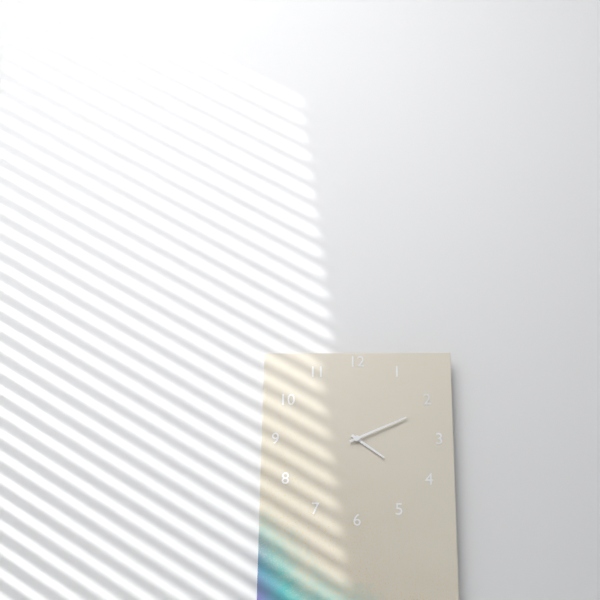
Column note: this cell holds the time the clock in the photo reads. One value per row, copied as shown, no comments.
4:11
